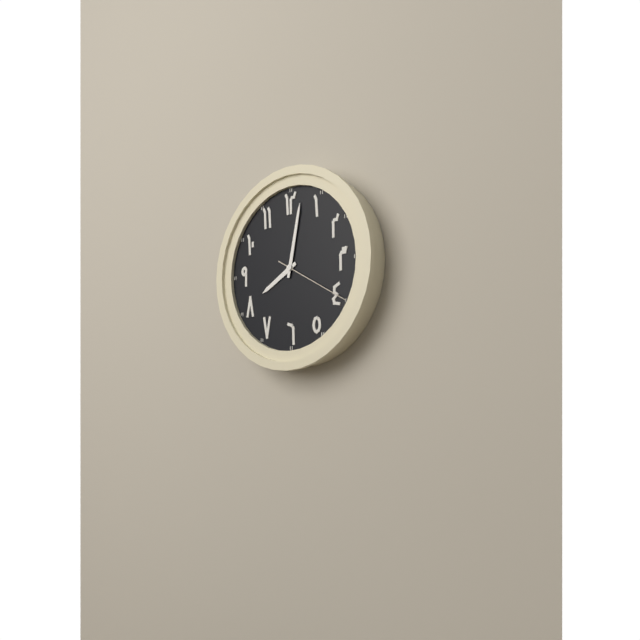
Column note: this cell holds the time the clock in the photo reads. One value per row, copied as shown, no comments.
8:02:20
